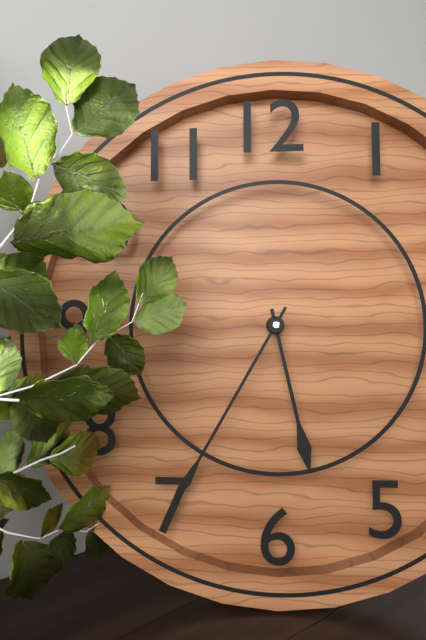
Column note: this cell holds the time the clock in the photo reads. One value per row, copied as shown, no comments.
5:35
